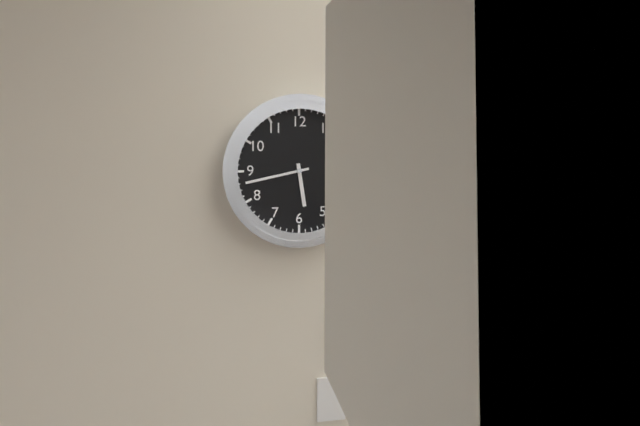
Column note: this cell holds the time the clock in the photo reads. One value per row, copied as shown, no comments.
5:43
